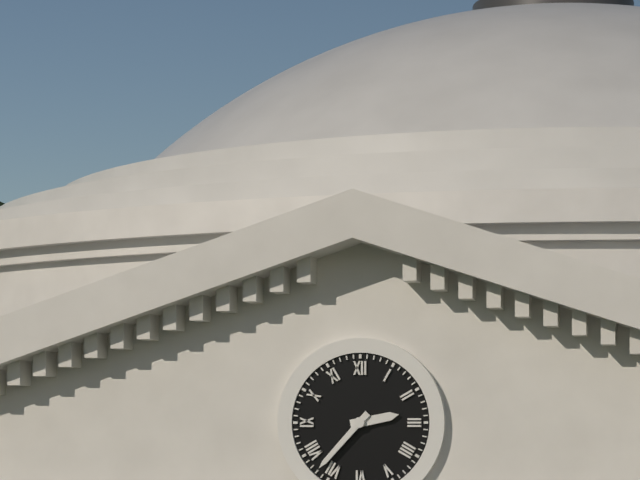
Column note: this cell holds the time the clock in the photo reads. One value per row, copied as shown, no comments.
2:37
